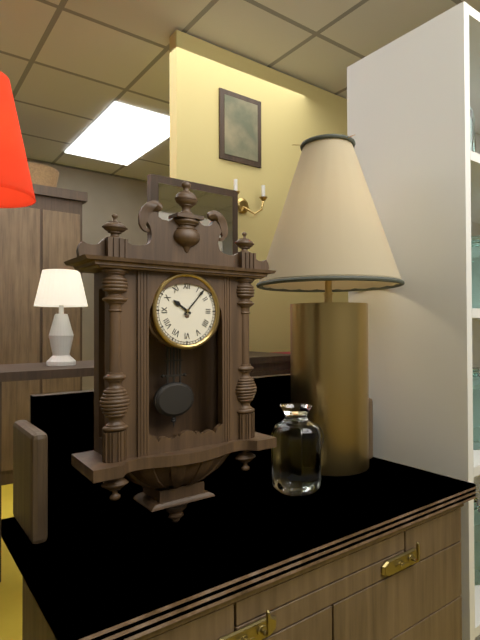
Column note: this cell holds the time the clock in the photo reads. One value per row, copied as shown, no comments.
10:07
